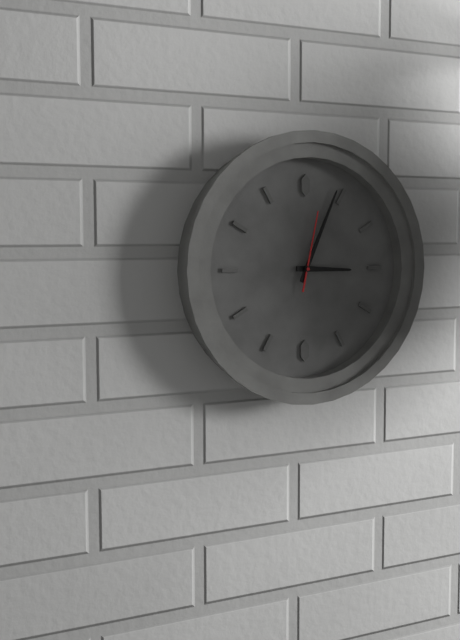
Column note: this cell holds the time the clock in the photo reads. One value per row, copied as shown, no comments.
3:04:02
